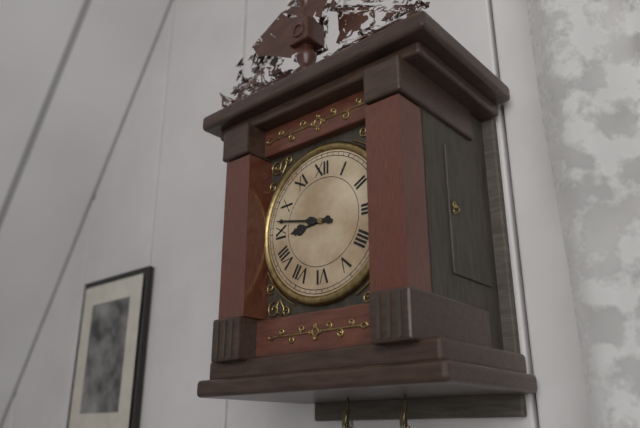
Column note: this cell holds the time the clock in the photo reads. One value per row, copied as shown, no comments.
8:47
